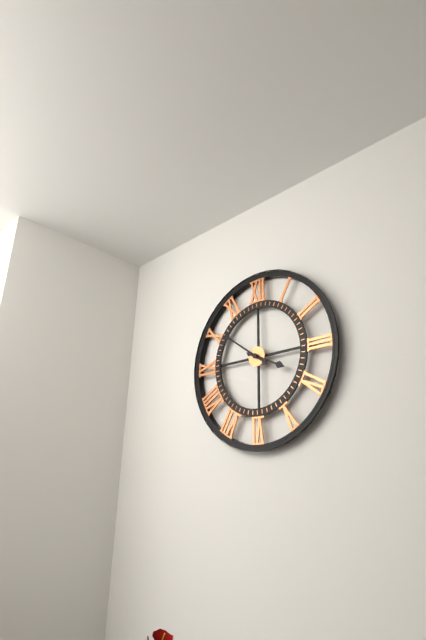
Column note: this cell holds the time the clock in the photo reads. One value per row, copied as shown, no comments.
3:51
